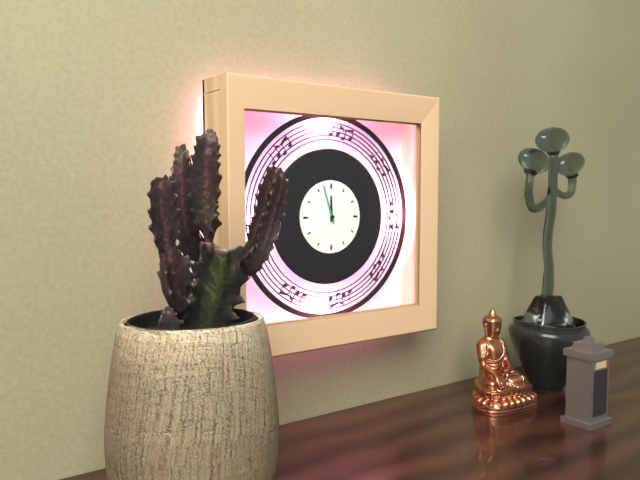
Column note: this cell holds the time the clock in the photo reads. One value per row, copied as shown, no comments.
11:57
